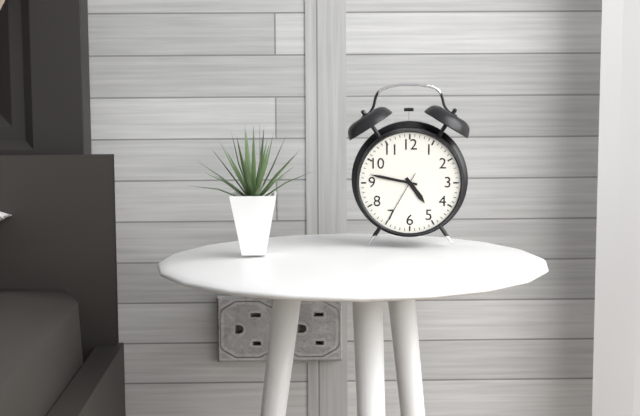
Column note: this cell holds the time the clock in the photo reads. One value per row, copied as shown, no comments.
4:47:35
